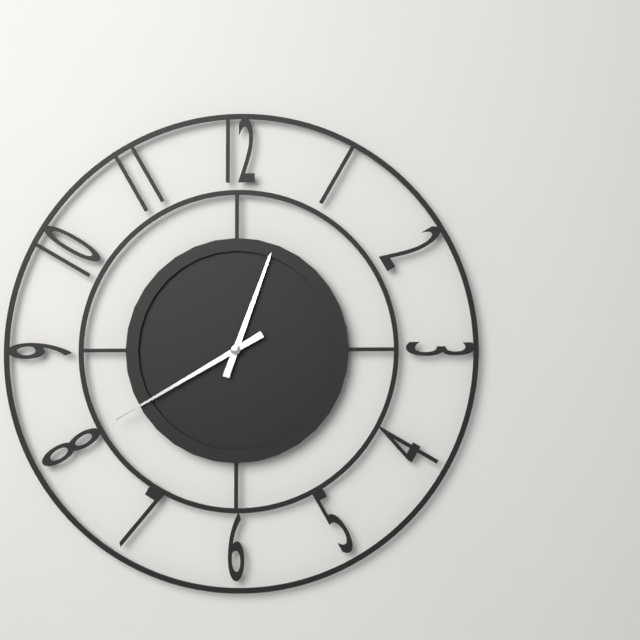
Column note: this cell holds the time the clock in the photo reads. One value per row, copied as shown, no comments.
12:40
